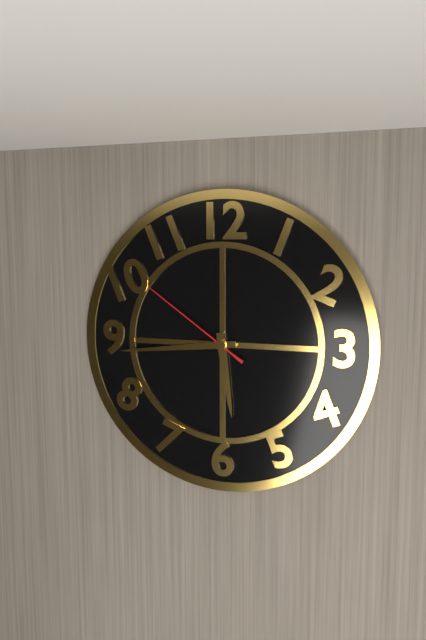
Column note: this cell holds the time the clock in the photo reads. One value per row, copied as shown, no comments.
5:44:51
